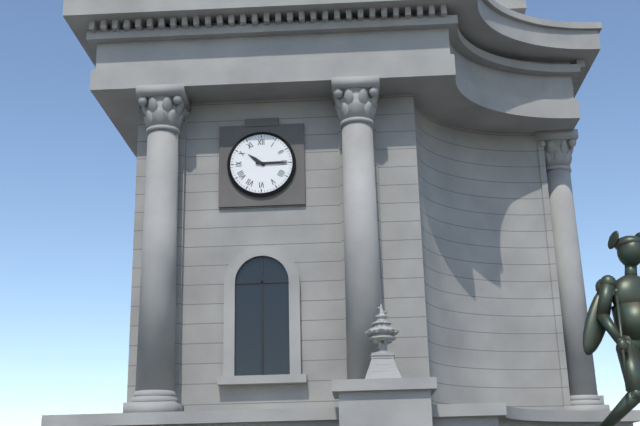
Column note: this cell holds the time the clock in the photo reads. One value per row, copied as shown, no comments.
10:15
